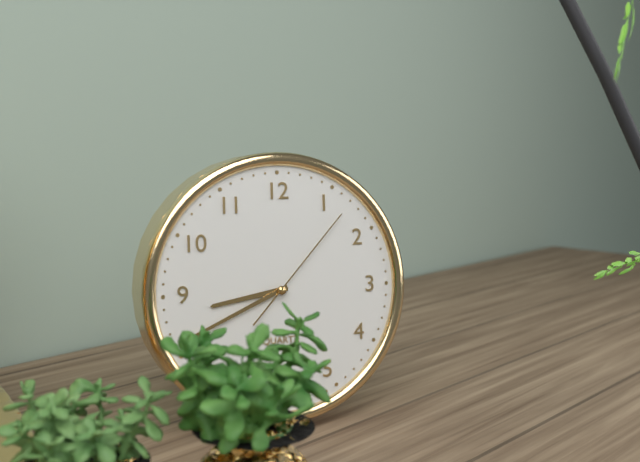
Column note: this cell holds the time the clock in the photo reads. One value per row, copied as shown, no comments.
8:41:07
